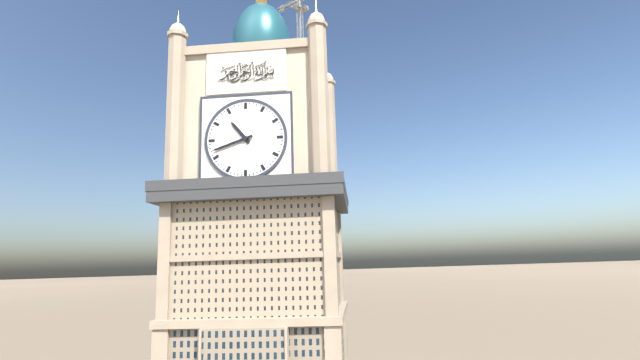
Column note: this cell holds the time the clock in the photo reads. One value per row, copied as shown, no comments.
10:42
